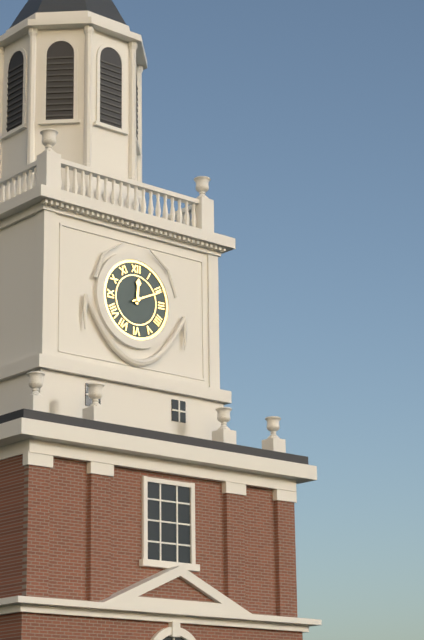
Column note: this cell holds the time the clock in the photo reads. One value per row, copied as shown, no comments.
12:11
